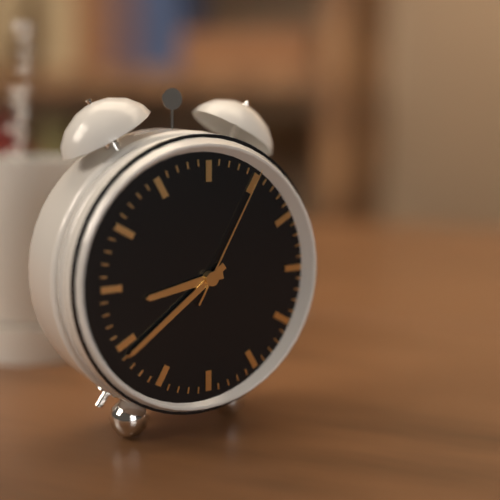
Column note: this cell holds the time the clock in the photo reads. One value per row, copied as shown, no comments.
8:39:05
